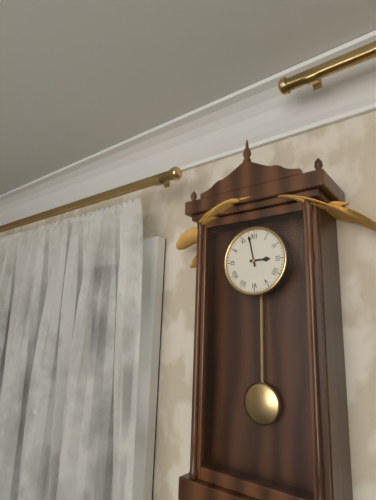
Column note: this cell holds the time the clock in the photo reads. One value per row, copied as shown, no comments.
2:58
